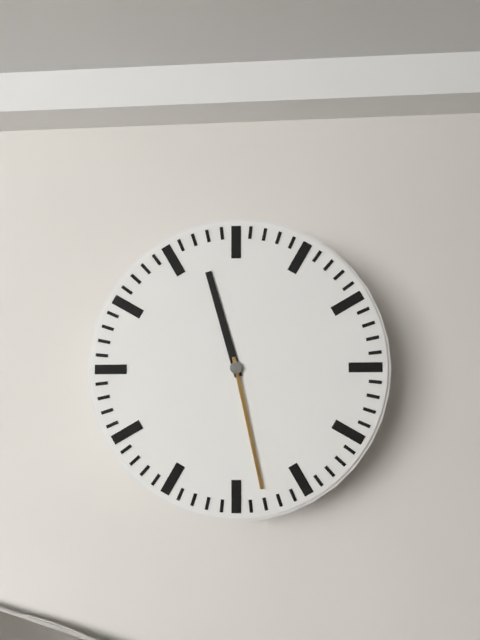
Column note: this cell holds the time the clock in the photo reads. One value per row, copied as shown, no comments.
11:28
